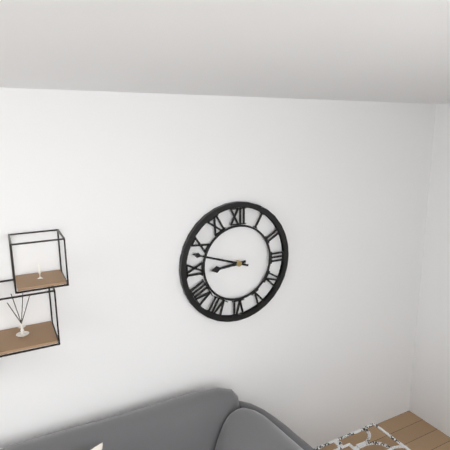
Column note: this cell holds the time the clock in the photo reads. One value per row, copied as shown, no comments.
8:48
